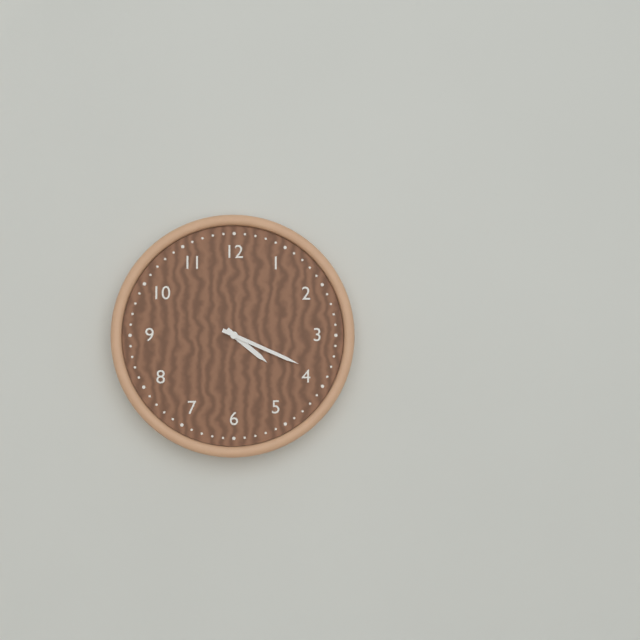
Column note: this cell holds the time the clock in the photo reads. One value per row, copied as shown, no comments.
4:19
